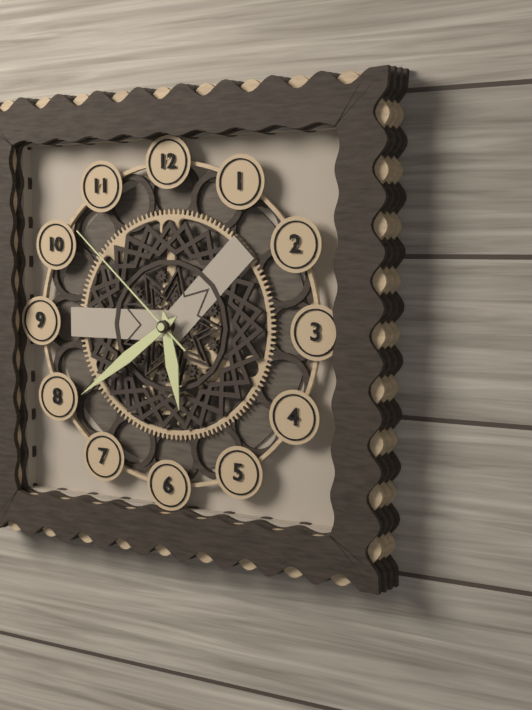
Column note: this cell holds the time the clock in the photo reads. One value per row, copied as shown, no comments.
5:39:52
